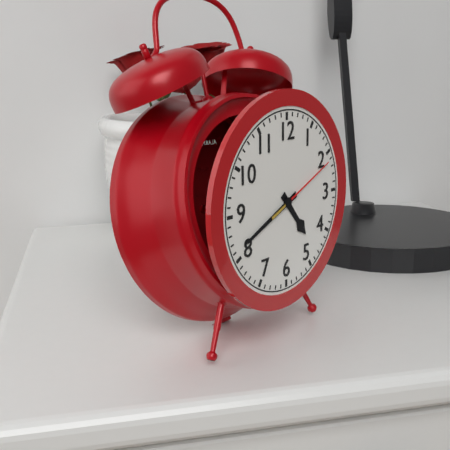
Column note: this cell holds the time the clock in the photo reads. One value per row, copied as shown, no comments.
4:41:11
